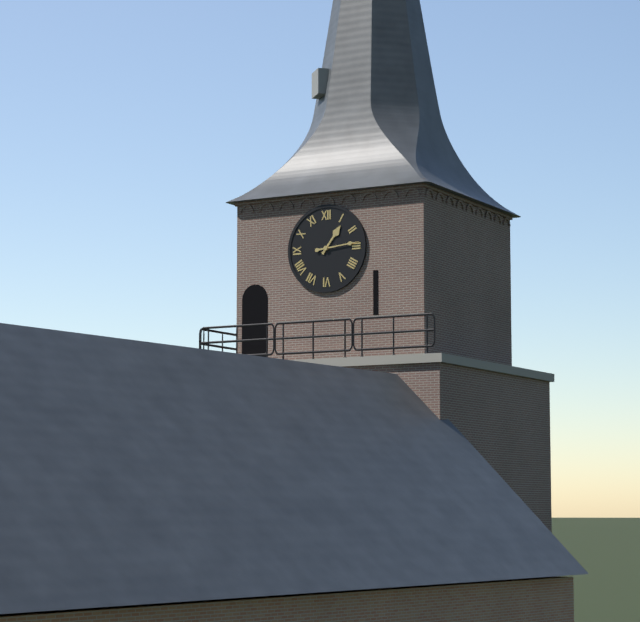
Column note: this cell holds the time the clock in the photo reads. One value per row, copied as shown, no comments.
1:14
